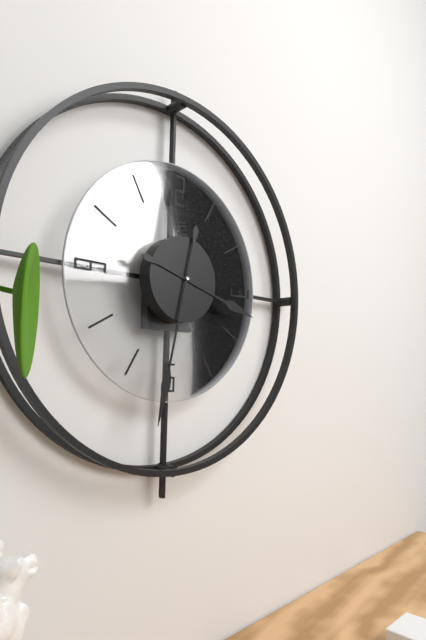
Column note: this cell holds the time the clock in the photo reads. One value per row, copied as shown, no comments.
3:32
